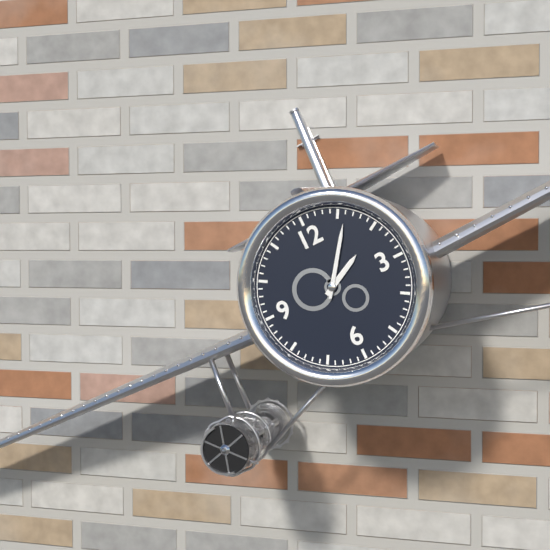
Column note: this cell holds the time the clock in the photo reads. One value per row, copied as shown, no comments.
2:06
